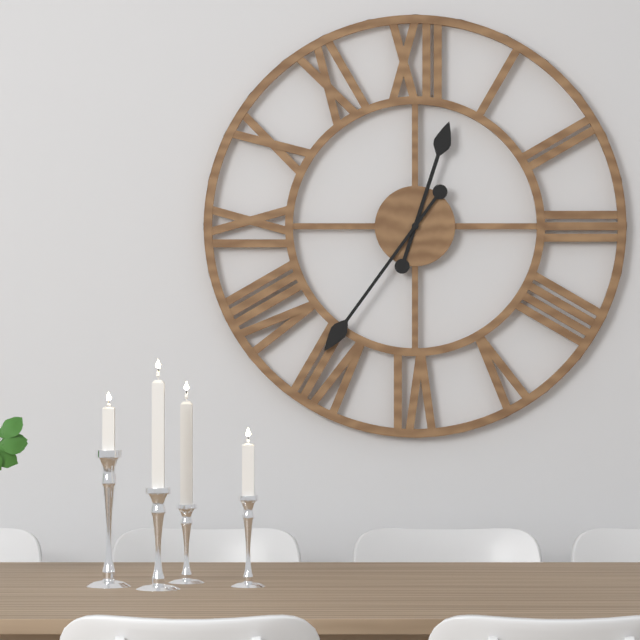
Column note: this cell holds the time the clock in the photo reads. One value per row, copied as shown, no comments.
12:36
